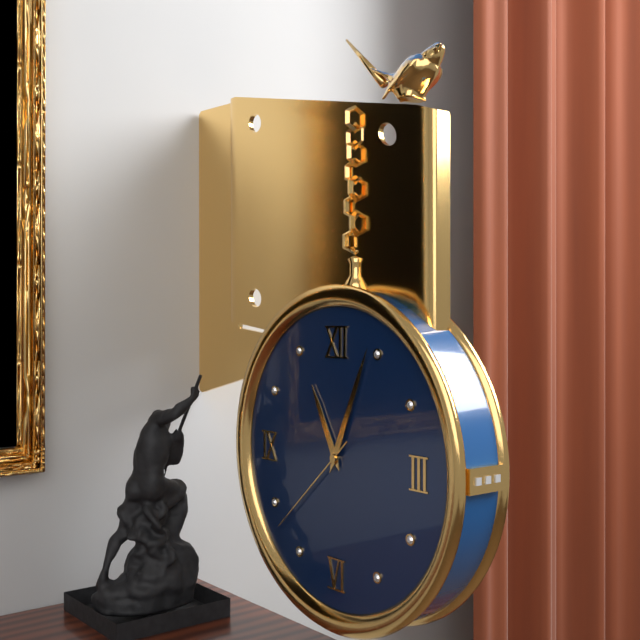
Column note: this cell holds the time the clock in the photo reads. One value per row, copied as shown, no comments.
11:04:38
